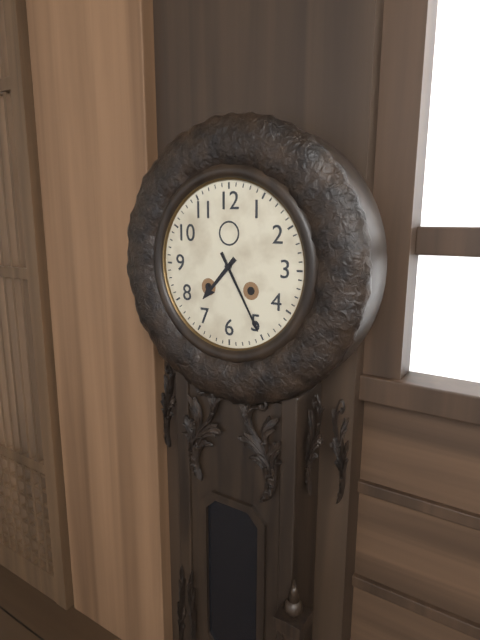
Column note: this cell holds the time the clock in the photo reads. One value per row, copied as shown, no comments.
7:25
